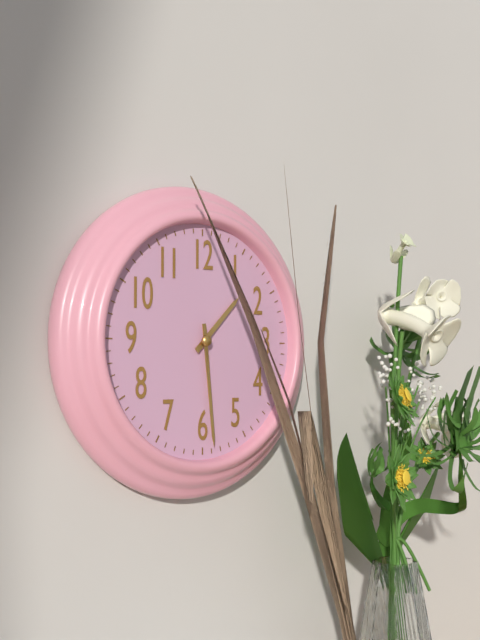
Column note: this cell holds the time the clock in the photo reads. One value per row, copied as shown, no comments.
1:29
